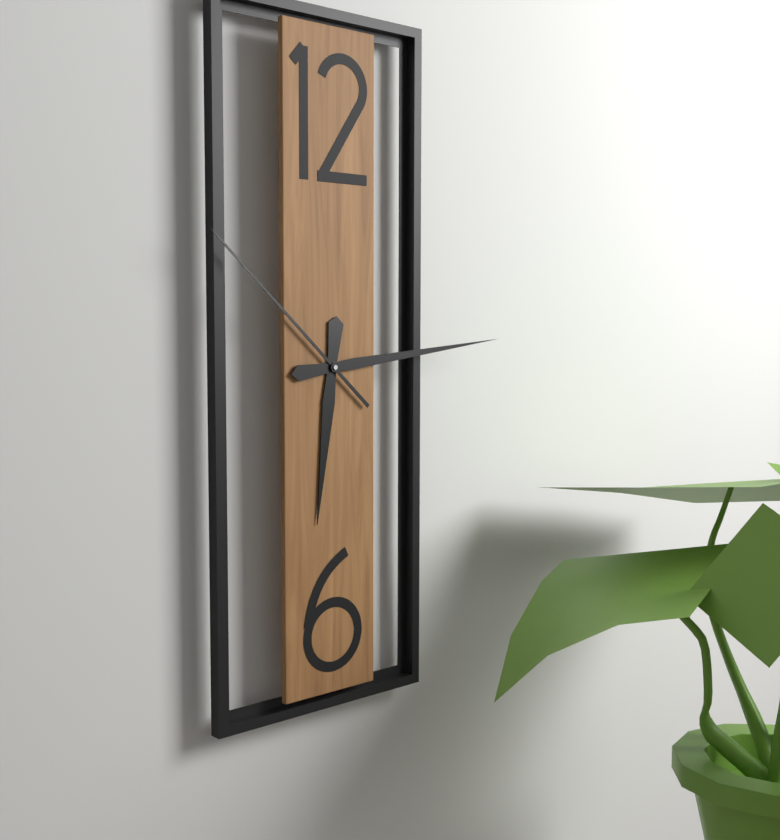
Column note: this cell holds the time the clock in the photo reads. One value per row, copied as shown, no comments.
6:14:52
